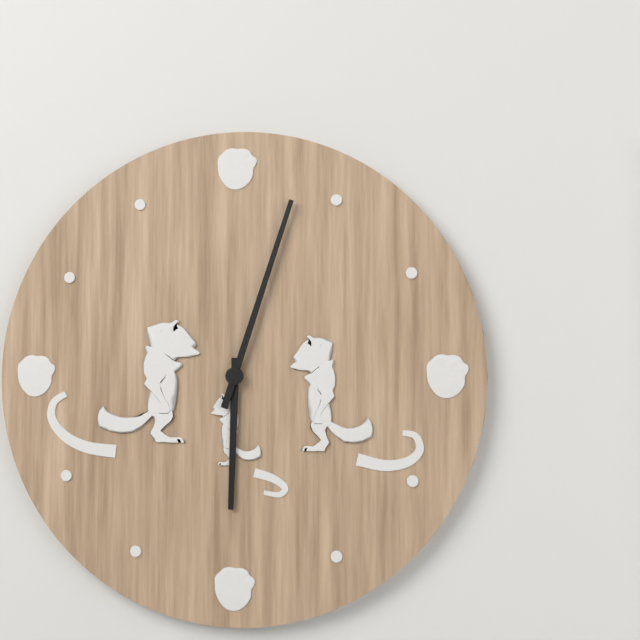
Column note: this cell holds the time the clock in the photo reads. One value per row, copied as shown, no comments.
6:03
